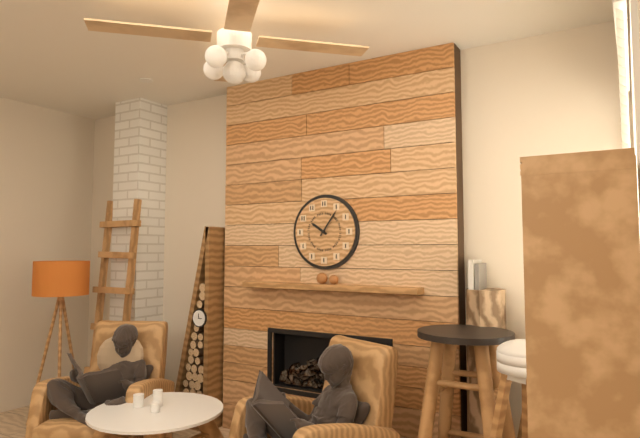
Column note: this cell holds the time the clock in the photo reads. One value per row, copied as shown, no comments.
10:06
